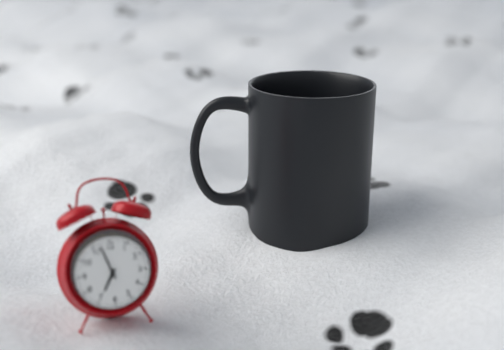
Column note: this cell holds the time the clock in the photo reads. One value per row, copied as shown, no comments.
6:57
